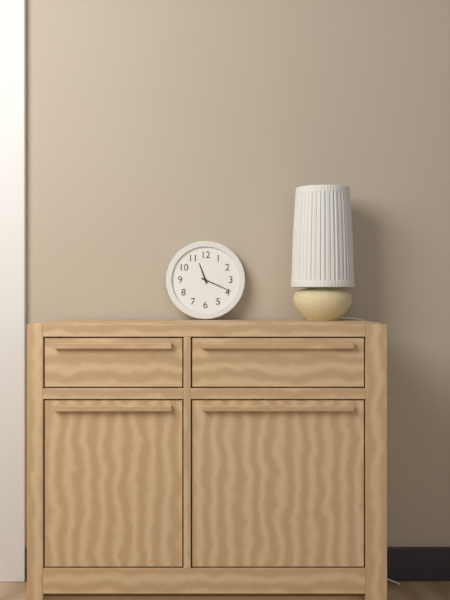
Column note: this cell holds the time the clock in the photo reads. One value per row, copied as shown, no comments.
11:19
